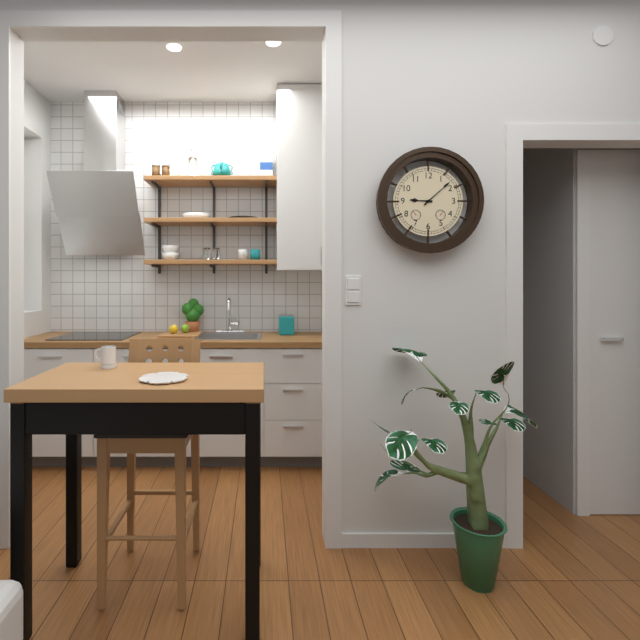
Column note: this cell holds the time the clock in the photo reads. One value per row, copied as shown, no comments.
9:08
